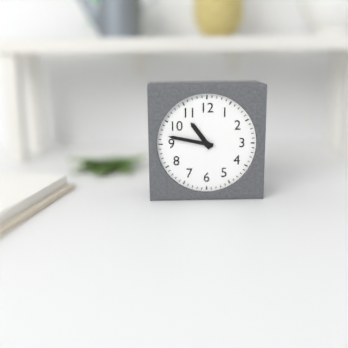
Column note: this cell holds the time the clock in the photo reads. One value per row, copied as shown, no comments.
10:47
